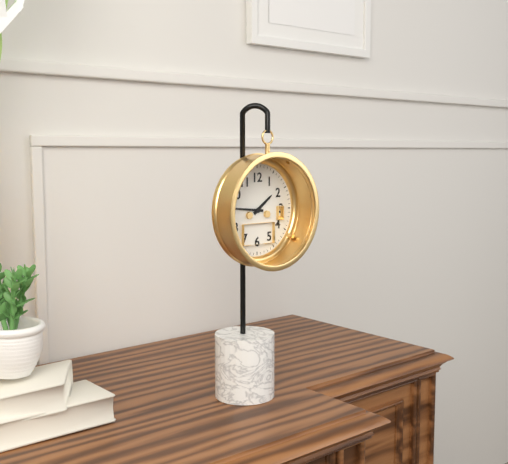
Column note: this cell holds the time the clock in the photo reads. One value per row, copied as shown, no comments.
1:46
